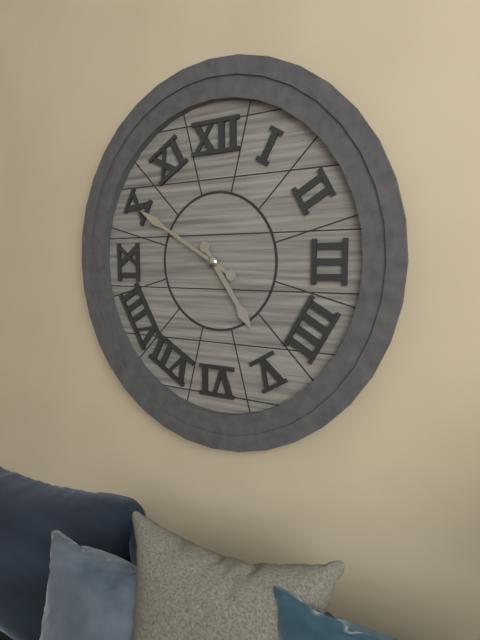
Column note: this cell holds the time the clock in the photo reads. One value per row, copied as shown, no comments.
4:50
